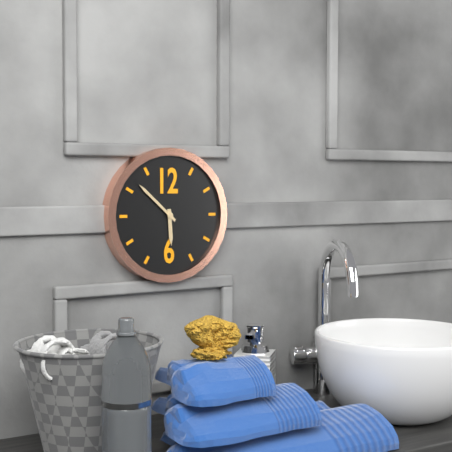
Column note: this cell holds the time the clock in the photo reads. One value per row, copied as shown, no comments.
5:52
